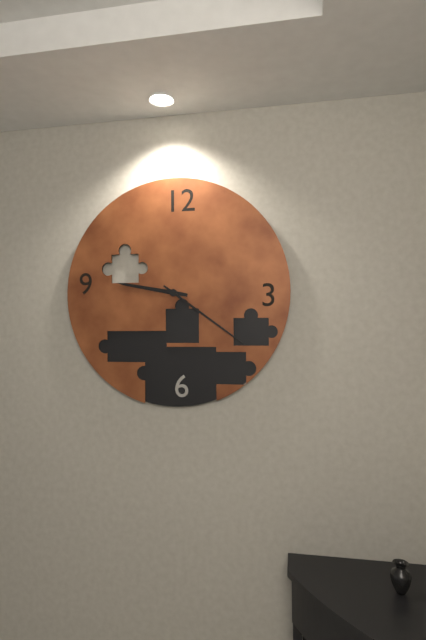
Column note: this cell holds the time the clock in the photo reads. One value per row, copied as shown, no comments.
9:21
